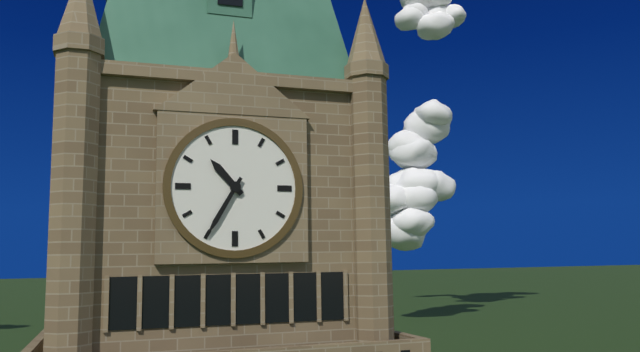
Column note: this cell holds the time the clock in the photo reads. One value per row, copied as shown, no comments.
10:35
